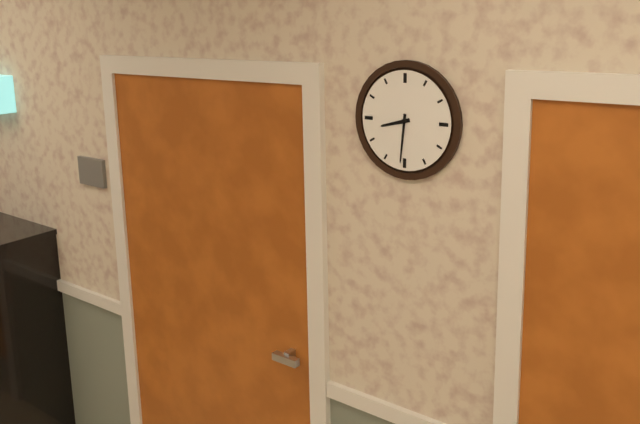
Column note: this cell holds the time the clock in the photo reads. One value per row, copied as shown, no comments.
8:31
